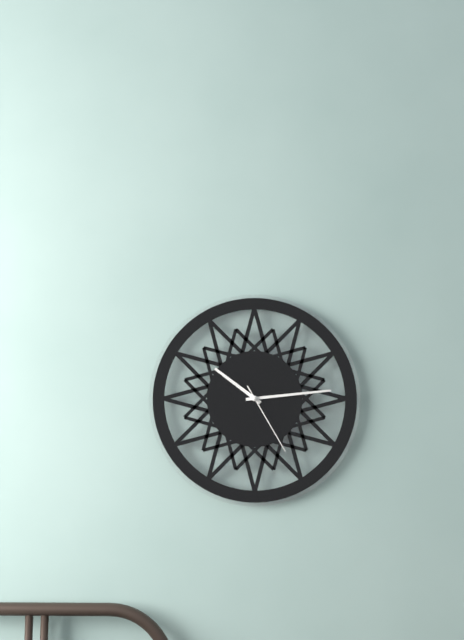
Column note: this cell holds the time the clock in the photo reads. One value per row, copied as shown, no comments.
10:14:25
